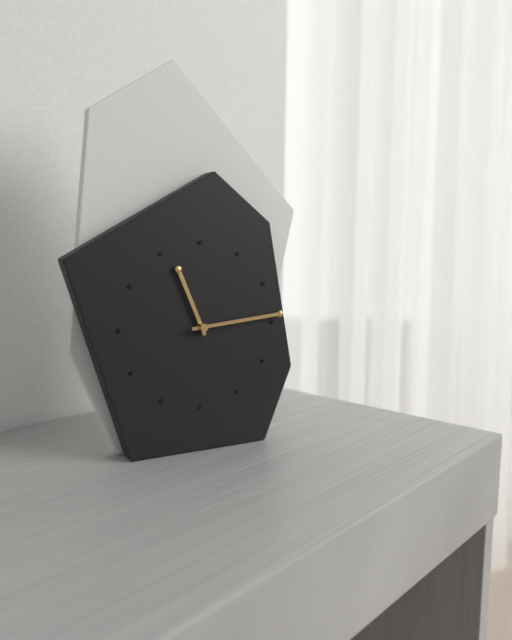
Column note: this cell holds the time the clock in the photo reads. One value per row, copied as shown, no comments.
11:14
